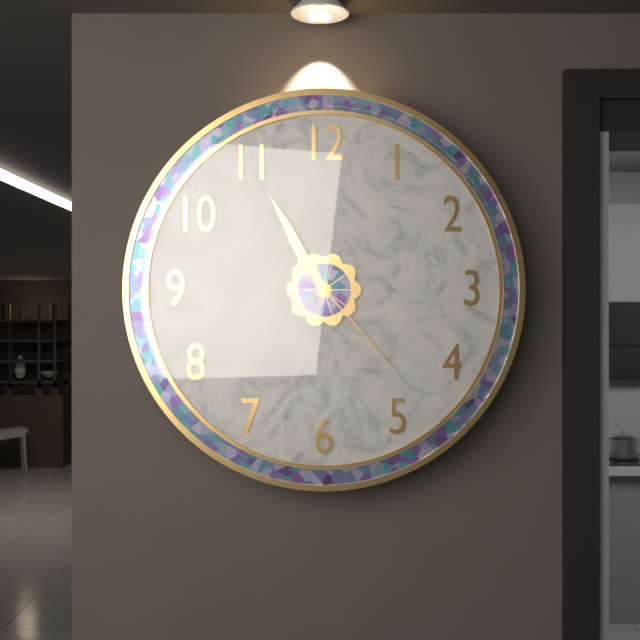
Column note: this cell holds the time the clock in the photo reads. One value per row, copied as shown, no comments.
10:55:23
